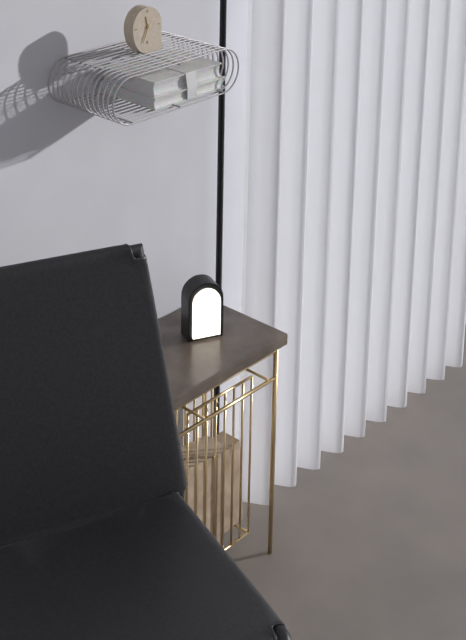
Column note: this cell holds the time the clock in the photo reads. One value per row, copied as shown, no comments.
11:34
